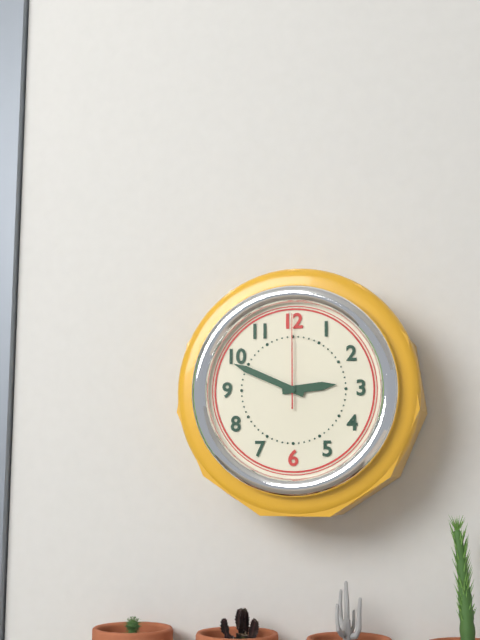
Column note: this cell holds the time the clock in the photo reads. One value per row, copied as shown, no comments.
2:49:00
